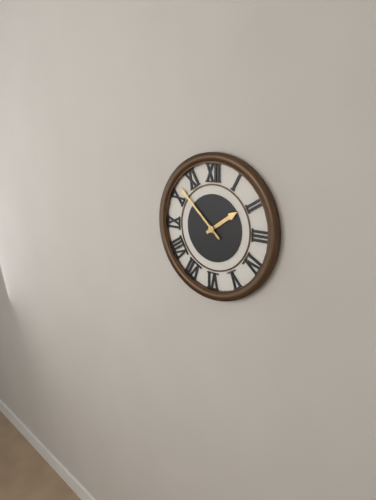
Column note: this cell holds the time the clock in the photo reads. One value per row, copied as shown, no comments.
1:52
